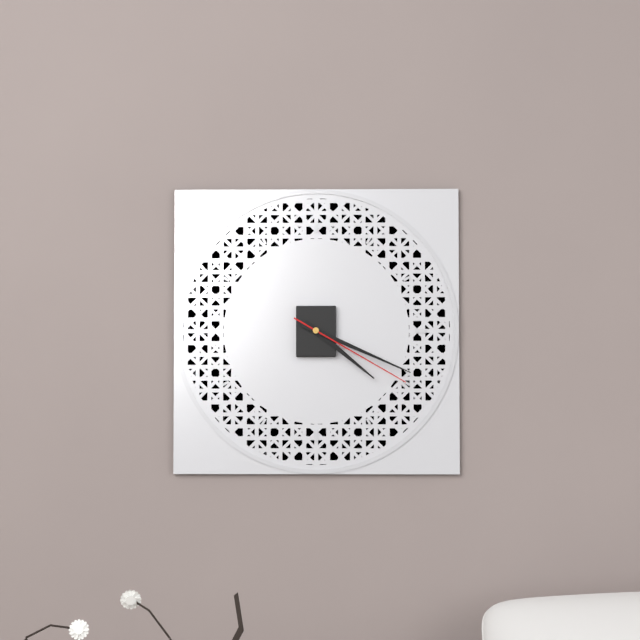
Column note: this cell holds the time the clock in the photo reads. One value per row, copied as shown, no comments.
4:19:20
